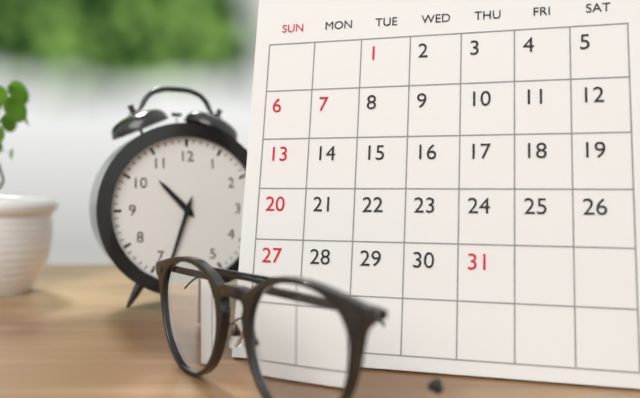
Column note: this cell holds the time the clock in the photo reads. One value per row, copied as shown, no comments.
10:33
